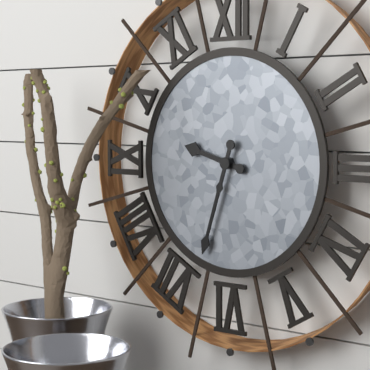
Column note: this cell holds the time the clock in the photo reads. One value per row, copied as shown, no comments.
9:33
